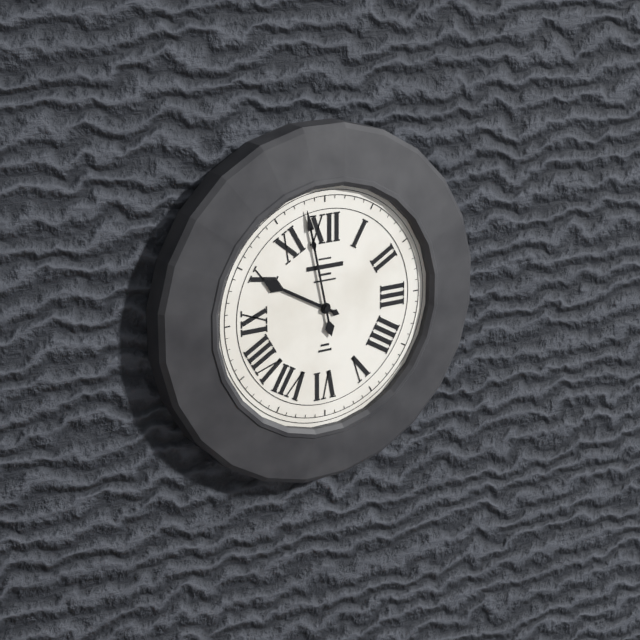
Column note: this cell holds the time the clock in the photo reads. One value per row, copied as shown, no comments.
9:58
